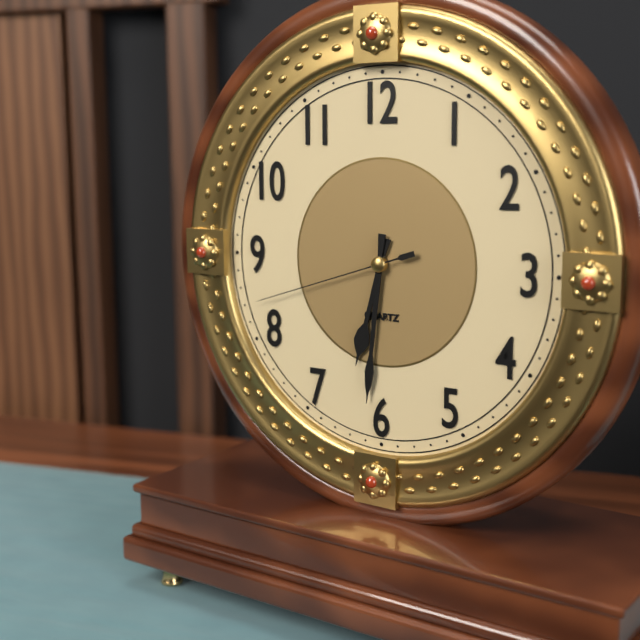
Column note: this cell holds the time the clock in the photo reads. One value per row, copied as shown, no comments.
6:31:42
